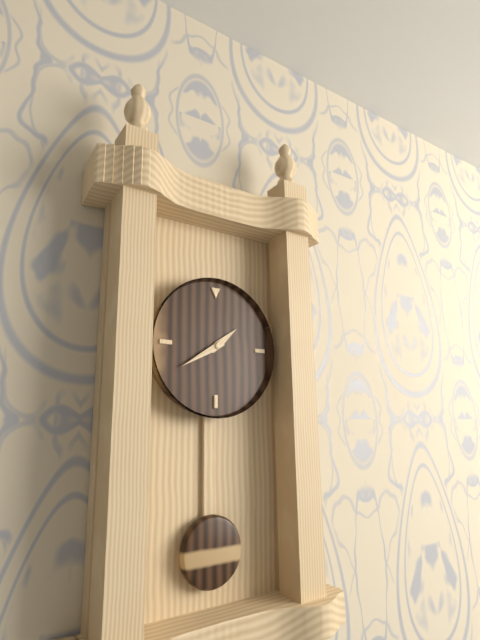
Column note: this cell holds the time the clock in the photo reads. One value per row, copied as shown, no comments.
1:40
